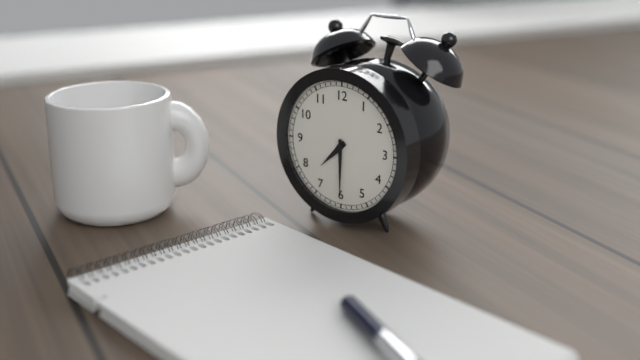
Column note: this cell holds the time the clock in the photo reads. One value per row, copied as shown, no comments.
7:30
